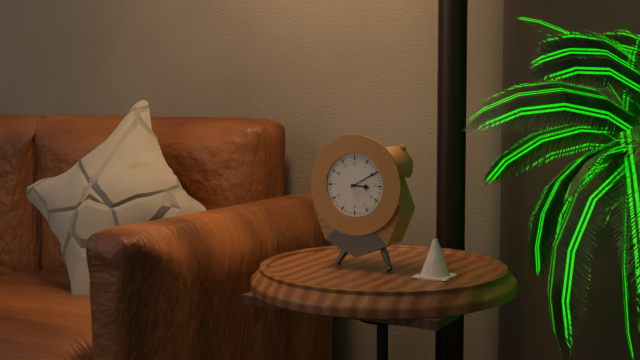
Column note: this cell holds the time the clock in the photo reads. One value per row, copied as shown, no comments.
3:10
